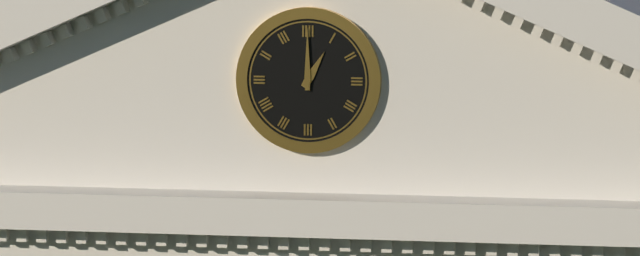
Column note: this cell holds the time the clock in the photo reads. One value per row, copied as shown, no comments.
1:00
